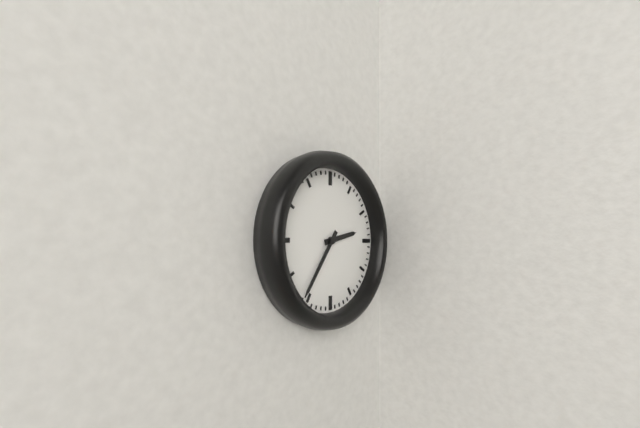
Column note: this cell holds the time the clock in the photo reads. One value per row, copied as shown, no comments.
2:36
